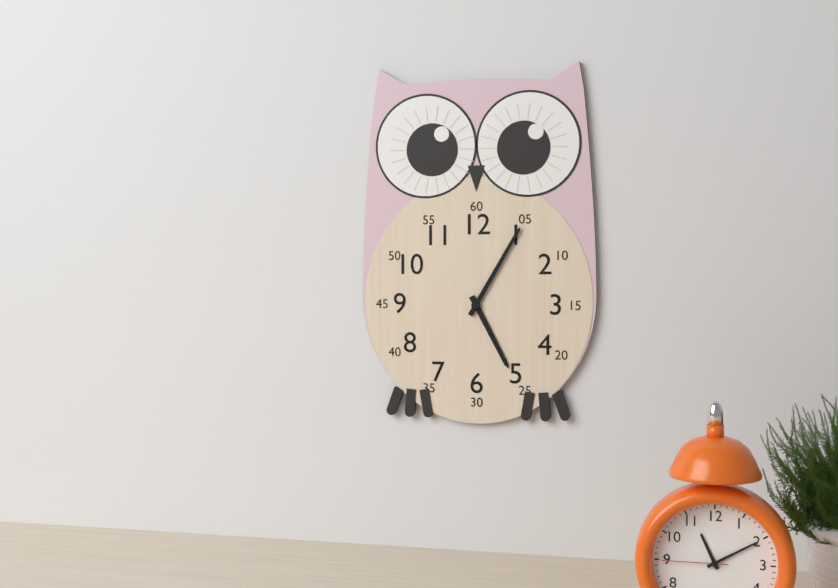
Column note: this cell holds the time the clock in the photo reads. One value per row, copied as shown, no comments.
5:05
